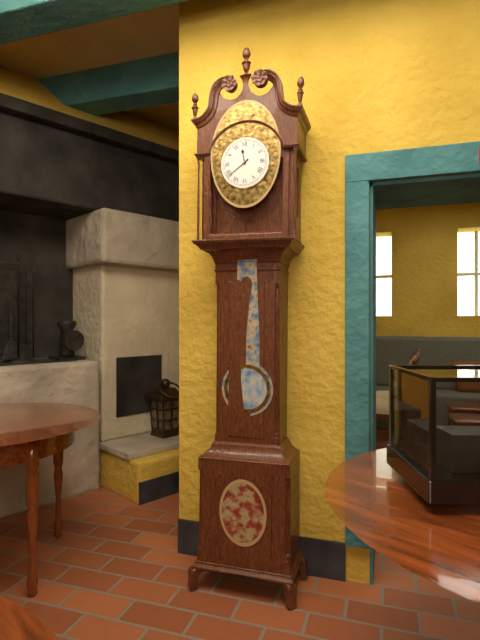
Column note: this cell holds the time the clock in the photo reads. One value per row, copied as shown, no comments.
11:39
